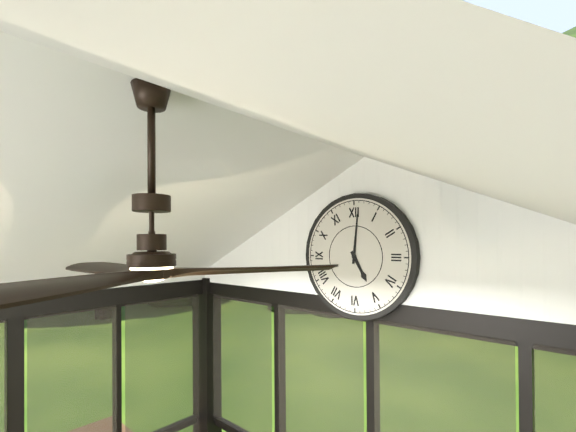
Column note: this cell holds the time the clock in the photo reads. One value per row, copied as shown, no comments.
5:01
